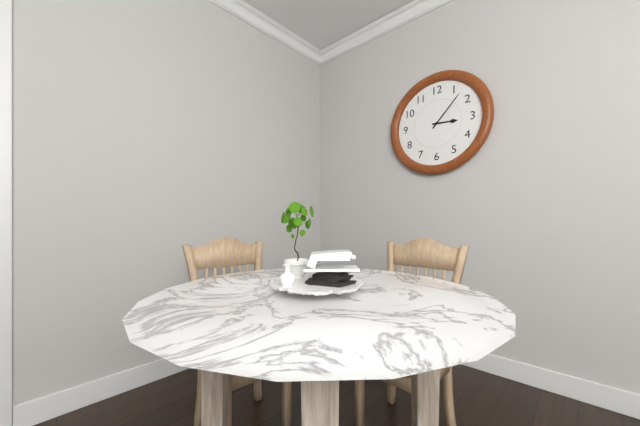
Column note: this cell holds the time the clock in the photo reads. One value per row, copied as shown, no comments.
3:07
